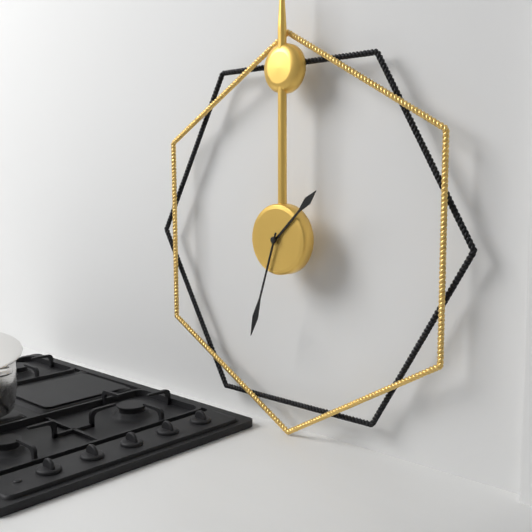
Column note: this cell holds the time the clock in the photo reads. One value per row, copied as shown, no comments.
1:33
